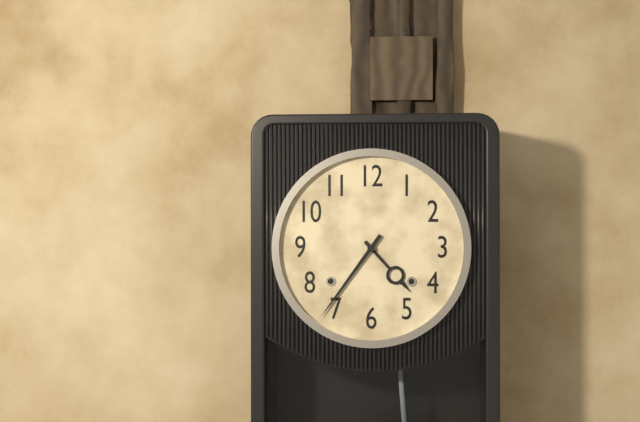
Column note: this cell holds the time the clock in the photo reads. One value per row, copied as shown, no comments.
4:36
